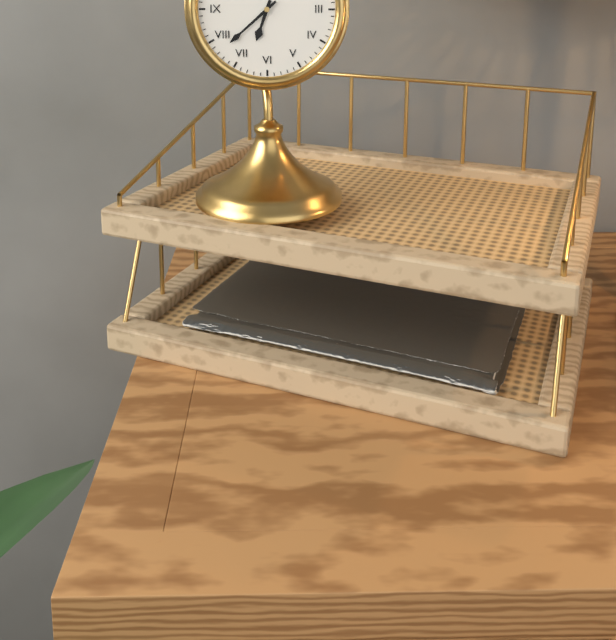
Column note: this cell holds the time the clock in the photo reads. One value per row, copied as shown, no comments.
6:38
